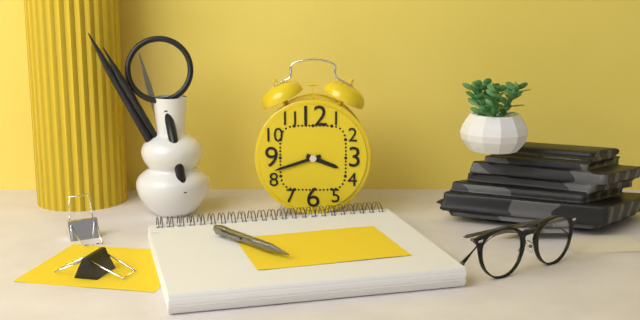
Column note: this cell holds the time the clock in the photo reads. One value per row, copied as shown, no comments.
3:42
